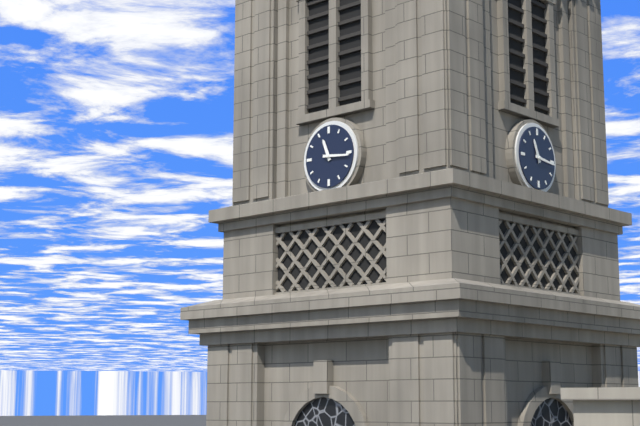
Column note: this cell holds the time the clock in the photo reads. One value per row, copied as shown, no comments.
11:16
